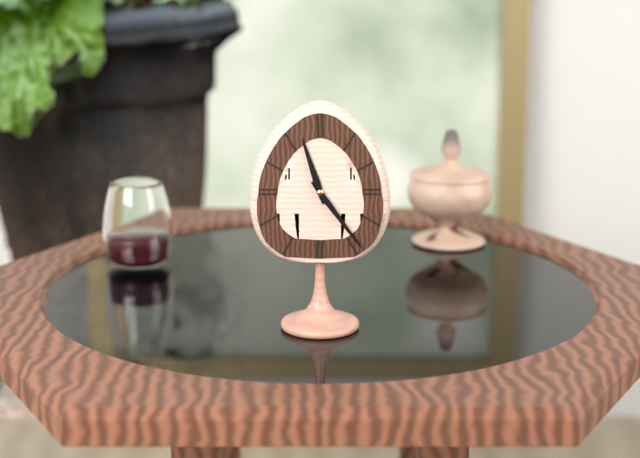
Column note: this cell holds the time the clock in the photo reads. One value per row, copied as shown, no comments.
11:24
